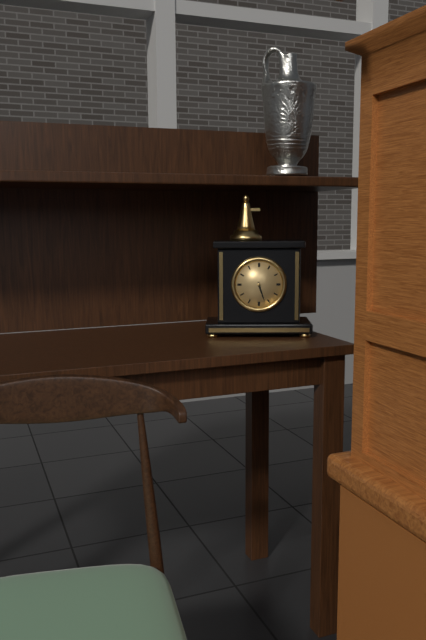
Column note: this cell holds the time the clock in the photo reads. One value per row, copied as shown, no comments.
5:27
